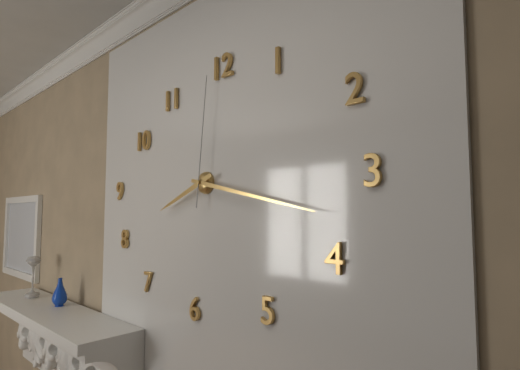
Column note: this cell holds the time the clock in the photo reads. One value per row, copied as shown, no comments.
8:17:01
